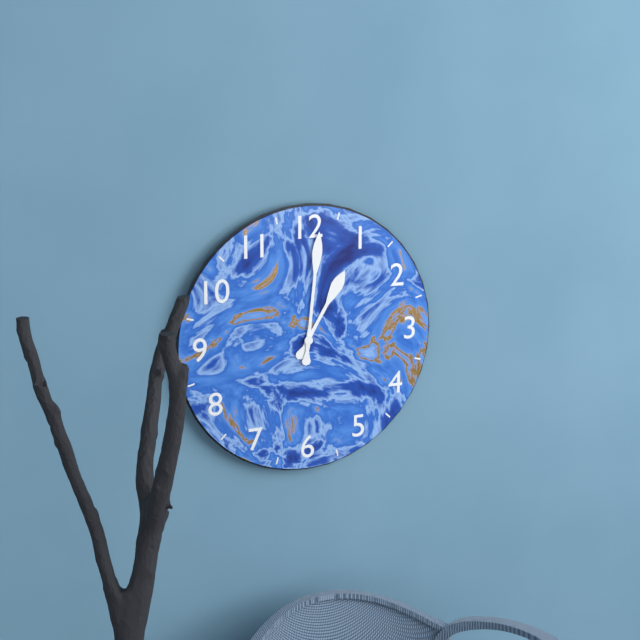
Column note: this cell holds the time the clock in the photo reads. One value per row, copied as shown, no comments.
1:01
